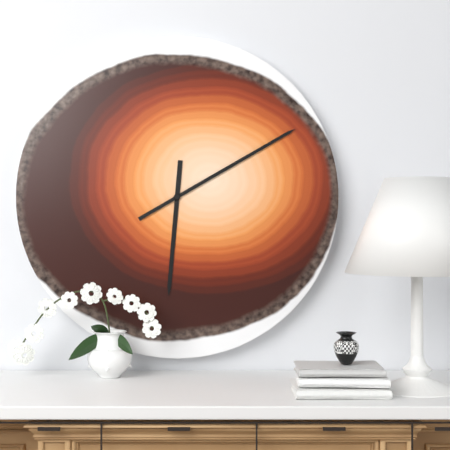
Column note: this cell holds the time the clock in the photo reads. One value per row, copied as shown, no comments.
6:10
